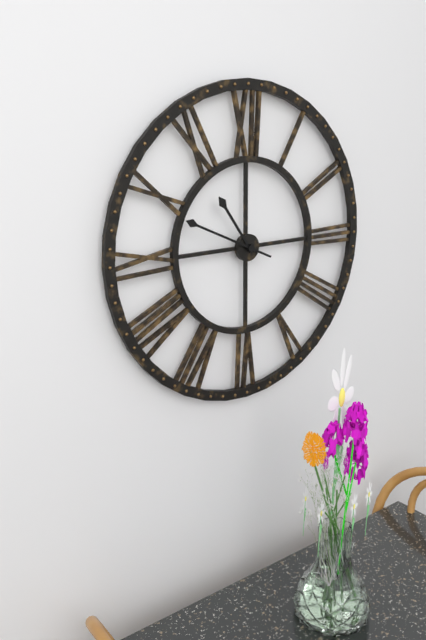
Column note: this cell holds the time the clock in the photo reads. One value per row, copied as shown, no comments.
10:49
